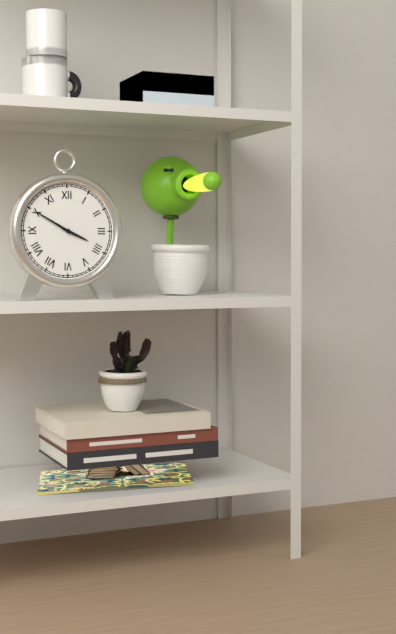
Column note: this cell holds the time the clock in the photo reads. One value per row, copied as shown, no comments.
3:50
